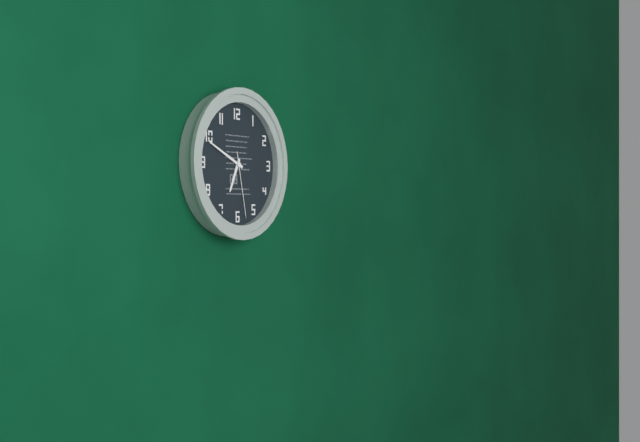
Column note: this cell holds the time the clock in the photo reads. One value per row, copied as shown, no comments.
6:49:28
